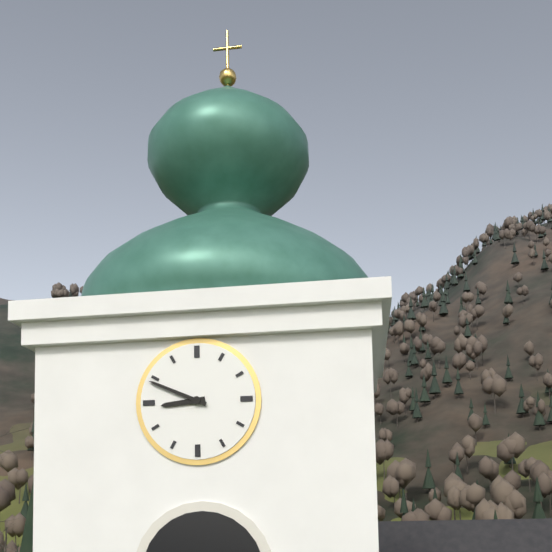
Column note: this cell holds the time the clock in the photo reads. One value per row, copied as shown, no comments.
8:49
